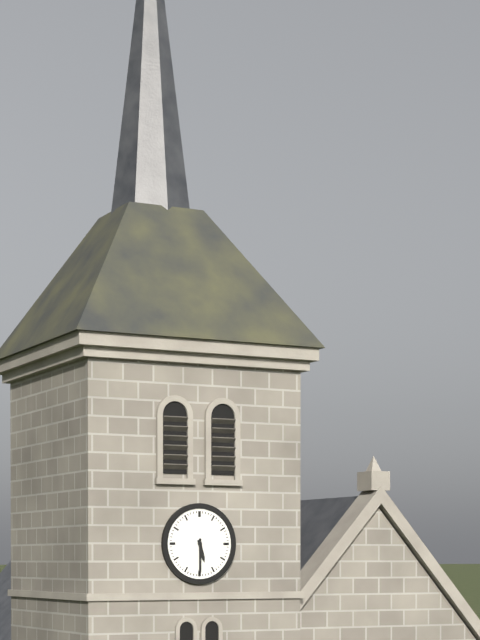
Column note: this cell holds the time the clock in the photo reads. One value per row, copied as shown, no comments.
5:30
